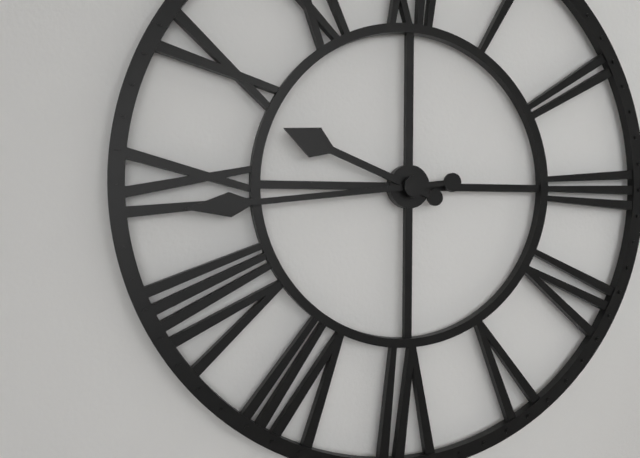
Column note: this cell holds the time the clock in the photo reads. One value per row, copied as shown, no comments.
9:44
